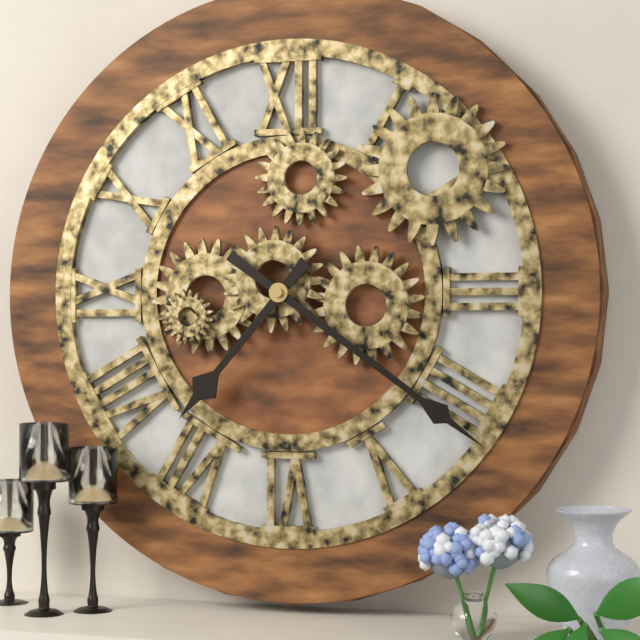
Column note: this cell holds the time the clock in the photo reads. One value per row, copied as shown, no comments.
7:21
